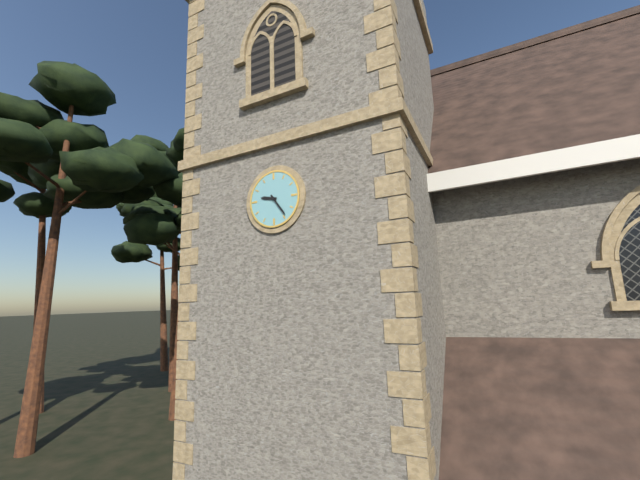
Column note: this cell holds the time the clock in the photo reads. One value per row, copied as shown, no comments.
9:24
